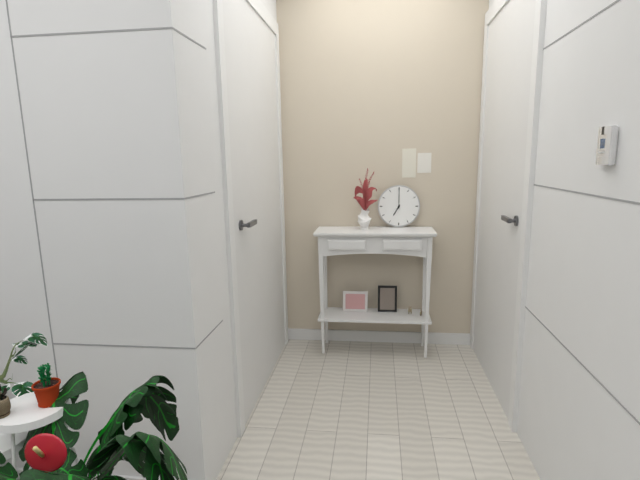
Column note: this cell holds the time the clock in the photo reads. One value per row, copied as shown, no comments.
7:00
